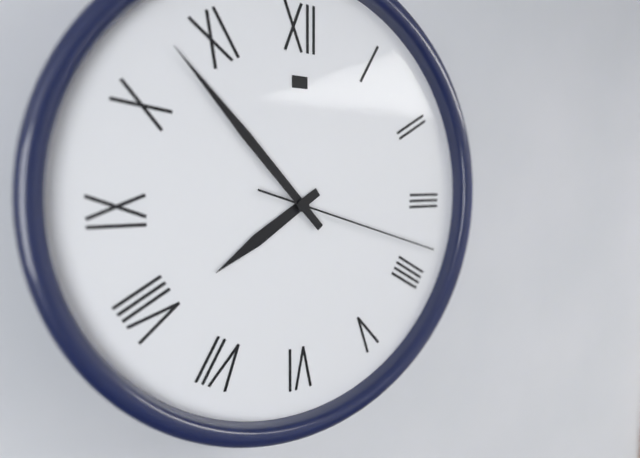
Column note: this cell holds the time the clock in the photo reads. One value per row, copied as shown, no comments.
7:53:18
